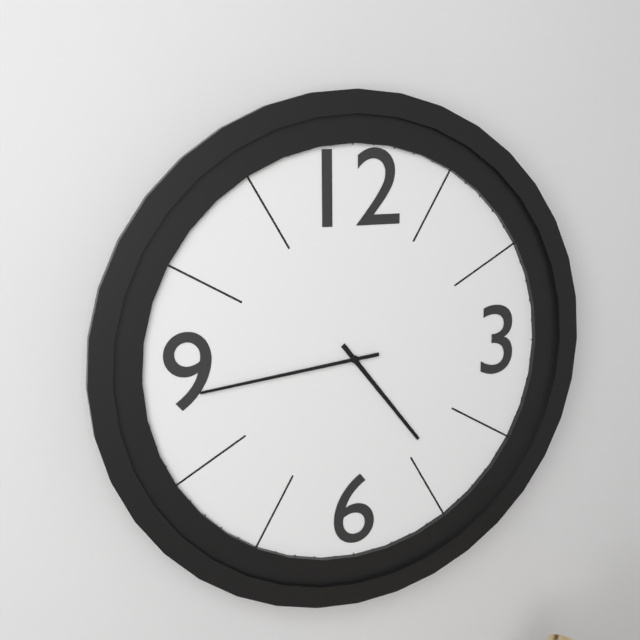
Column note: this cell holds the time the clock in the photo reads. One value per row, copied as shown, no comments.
4:44
